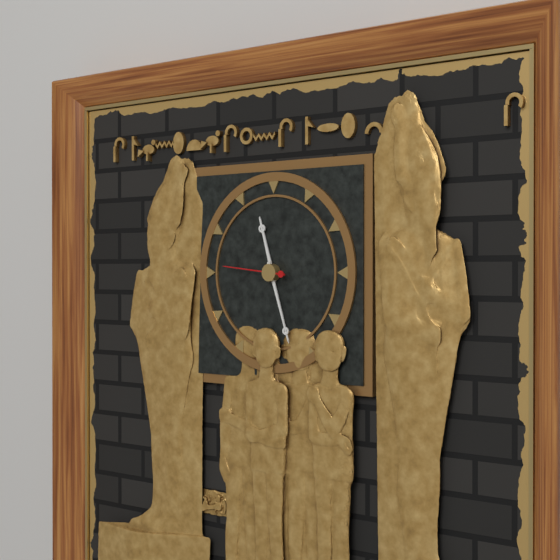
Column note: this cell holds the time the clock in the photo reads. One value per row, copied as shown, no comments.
11:27:46
